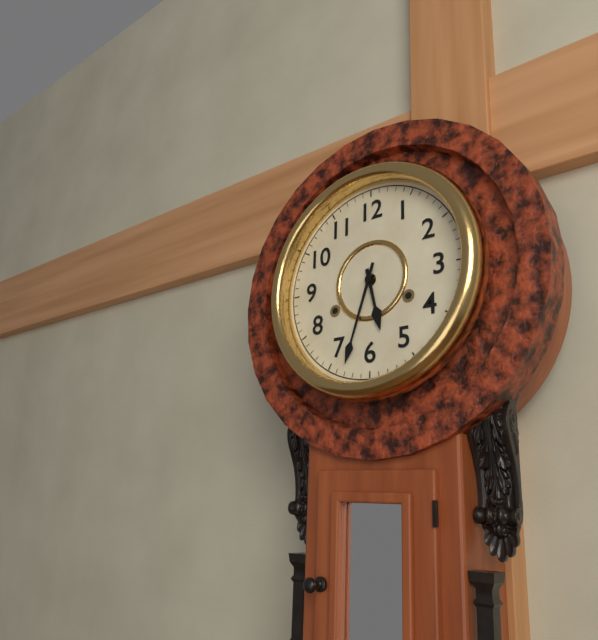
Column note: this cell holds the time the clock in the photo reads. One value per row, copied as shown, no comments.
5:33
